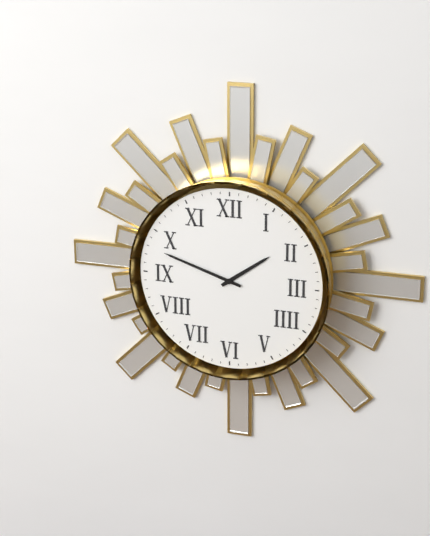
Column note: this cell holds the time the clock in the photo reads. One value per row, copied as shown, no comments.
1:48
